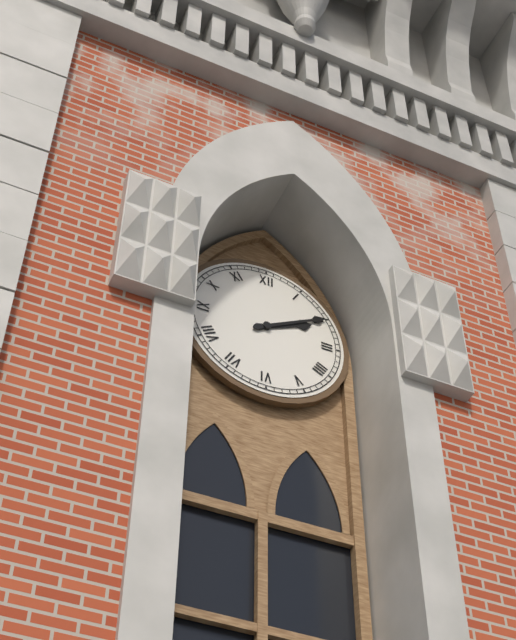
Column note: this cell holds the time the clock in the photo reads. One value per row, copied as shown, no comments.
2:10
